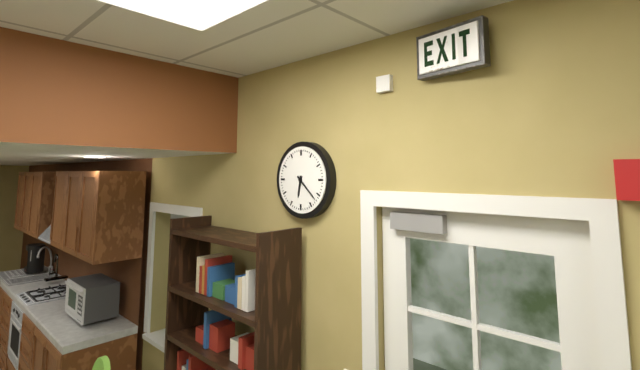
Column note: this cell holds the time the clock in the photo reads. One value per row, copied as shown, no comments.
6:22
